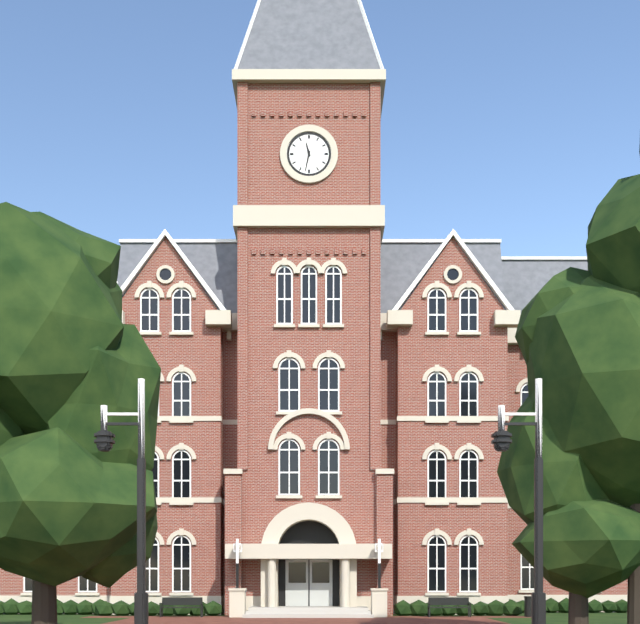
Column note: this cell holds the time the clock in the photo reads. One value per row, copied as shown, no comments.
11:32
